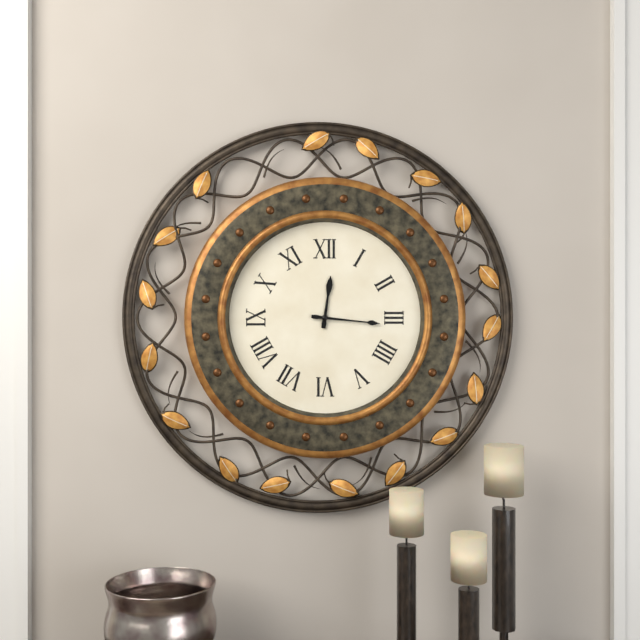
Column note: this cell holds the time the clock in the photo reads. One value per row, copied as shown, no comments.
12:16
